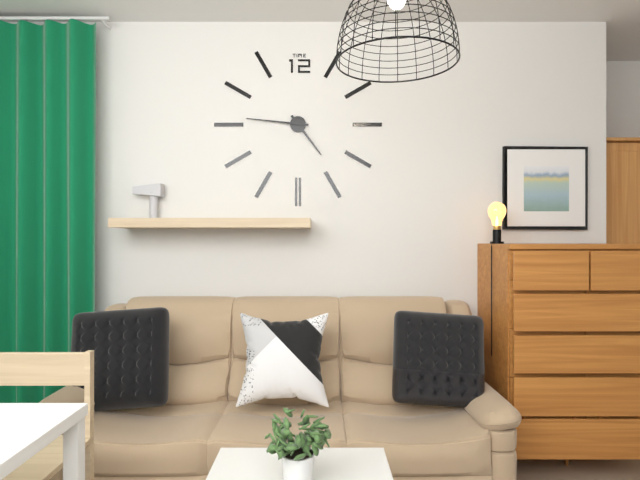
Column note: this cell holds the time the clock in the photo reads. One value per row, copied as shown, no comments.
4:46
